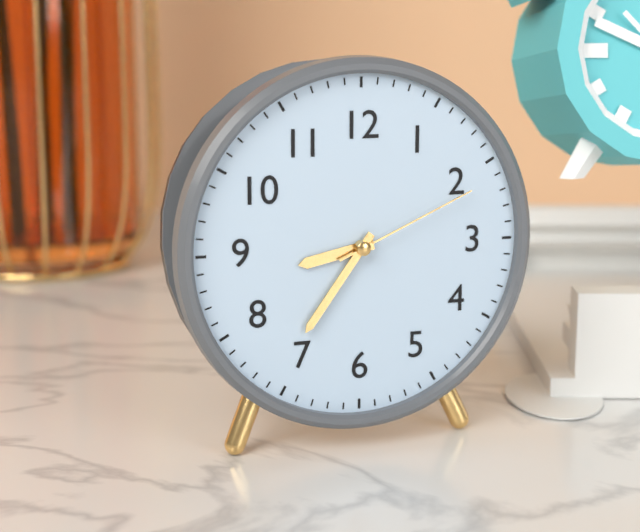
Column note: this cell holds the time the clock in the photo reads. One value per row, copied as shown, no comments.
8:36:11
